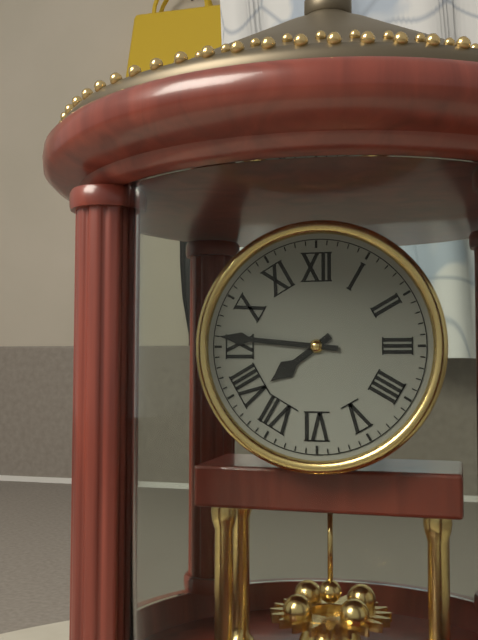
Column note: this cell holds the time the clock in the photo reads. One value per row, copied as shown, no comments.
7:46
